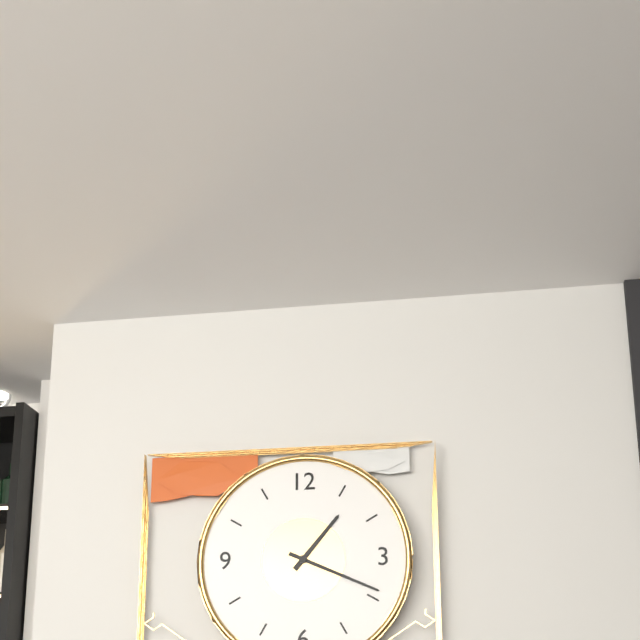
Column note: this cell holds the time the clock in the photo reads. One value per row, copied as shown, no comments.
1:19
